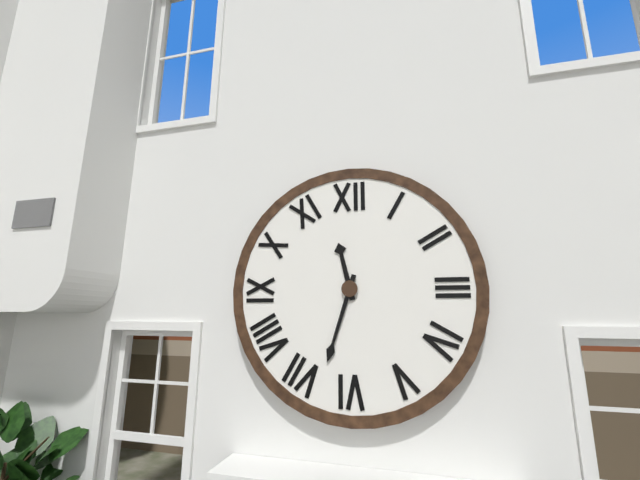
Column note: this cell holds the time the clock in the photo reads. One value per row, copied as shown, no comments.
11:33
